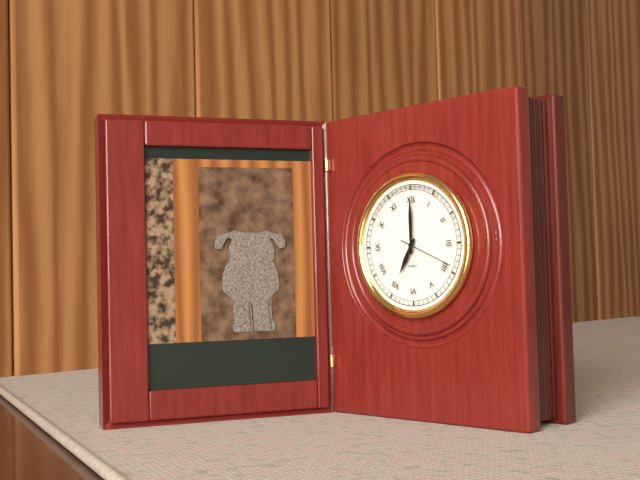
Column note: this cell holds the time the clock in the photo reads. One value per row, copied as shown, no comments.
7:00:19
